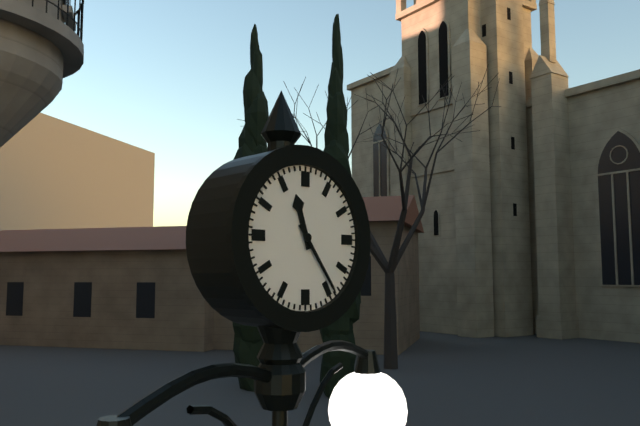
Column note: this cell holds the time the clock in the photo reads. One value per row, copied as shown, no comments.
11:24
